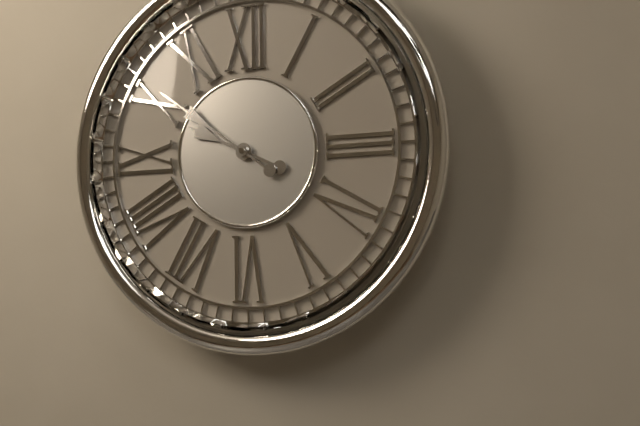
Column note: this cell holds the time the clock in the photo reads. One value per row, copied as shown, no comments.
9:51
